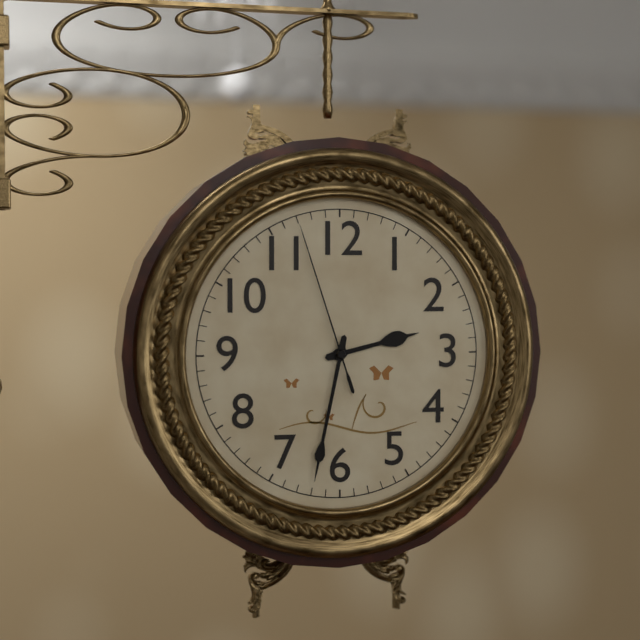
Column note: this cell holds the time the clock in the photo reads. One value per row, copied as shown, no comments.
2:32:57
